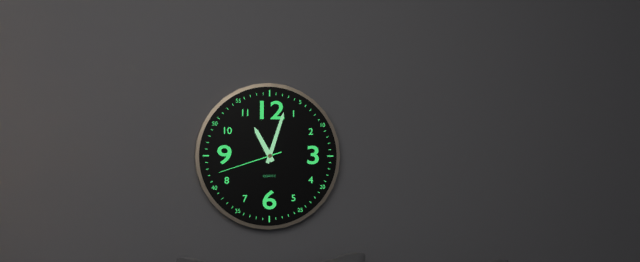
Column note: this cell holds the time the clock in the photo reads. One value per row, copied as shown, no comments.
11:03:42
